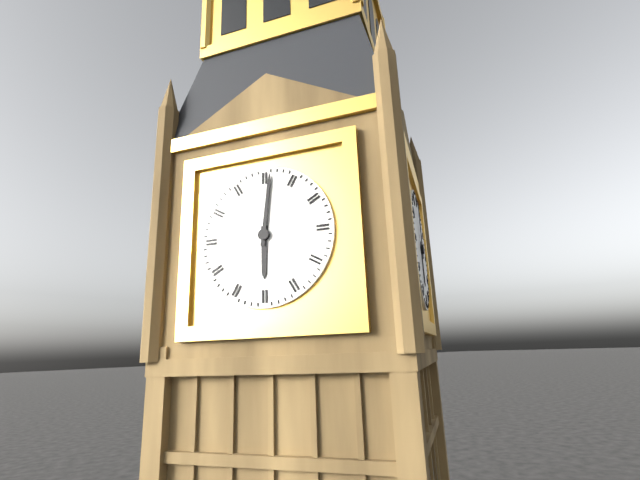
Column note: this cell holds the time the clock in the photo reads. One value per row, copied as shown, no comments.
6:01
